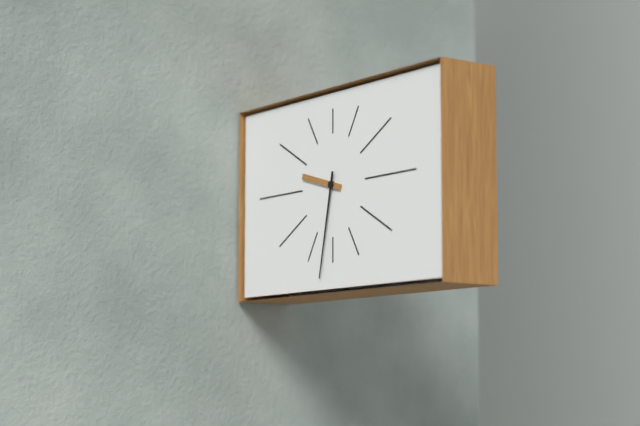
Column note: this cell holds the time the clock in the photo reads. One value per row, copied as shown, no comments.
9:32
